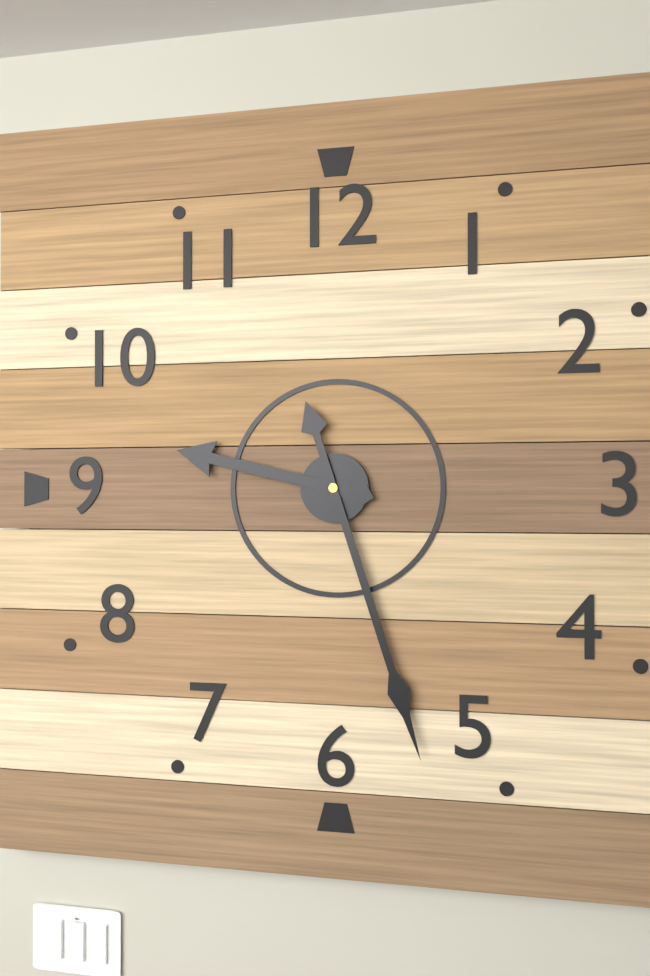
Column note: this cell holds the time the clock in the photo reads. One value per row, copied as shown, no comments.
9:27
